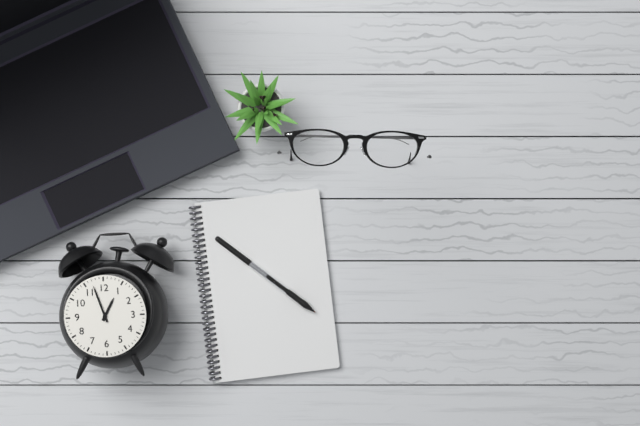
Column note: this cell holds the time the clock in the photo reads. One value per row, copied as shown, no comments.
12:57
